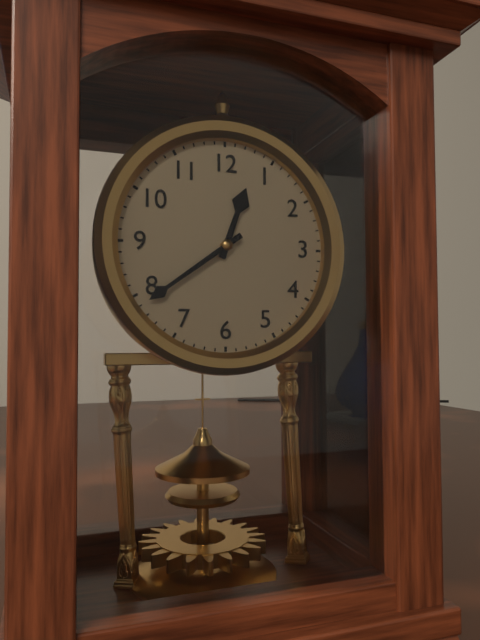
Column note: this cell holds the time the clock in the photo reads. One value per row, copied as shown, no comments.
12:39
